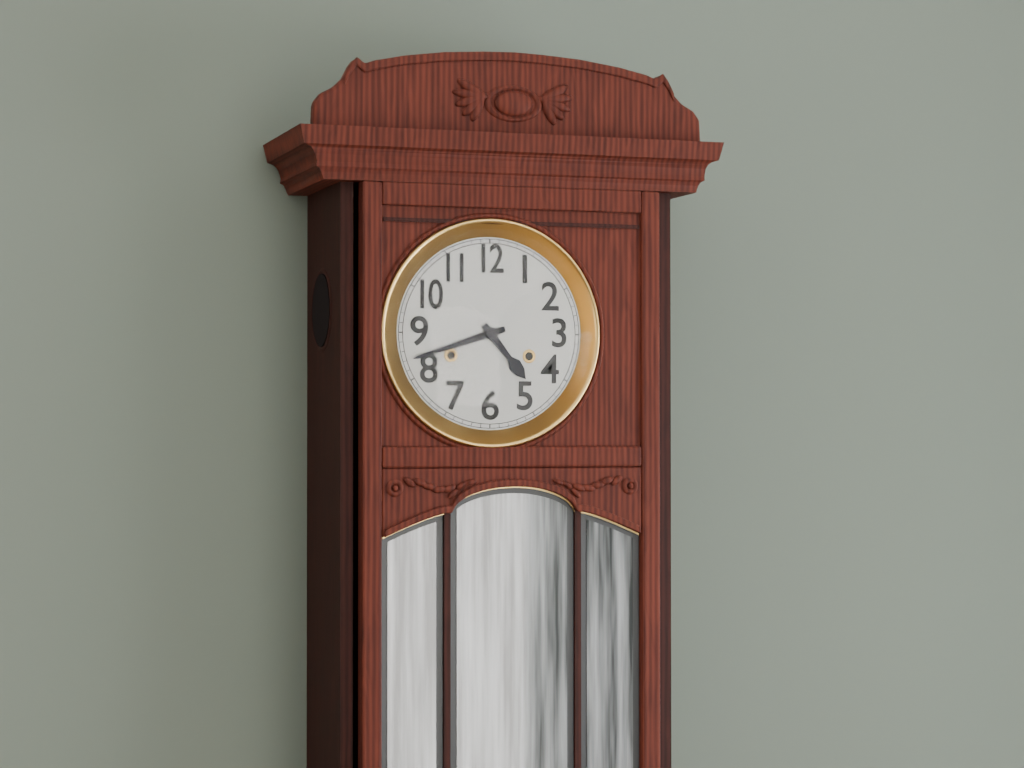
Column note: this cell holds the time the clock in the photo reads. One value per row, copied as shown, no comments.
4:42
